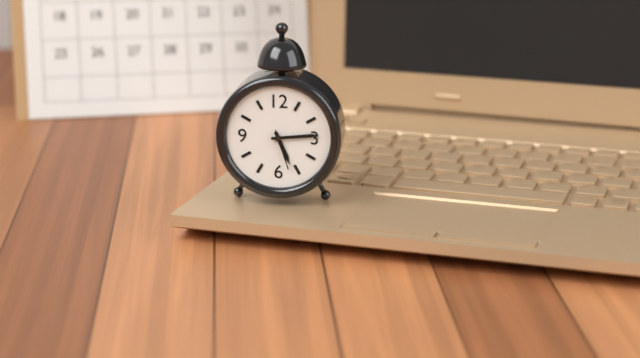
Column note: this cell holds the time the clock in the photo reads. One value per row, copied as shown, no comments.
5:14
